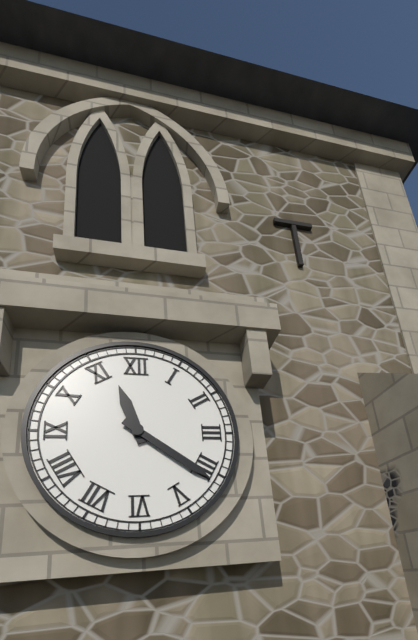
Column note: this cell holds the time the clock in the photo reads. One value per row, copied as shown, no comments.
11:21
